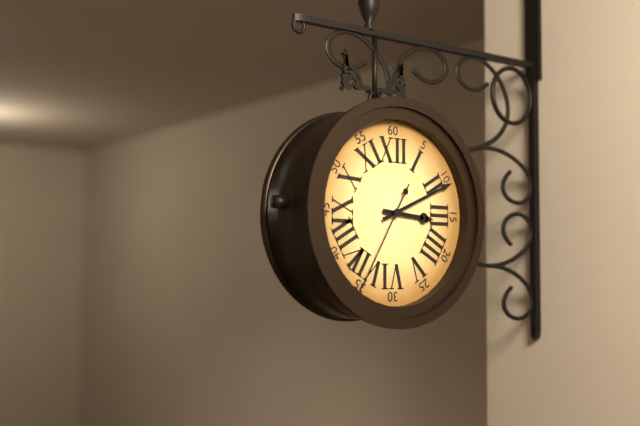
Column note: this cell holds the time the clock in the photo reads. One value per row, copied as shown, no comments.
3:11:35
